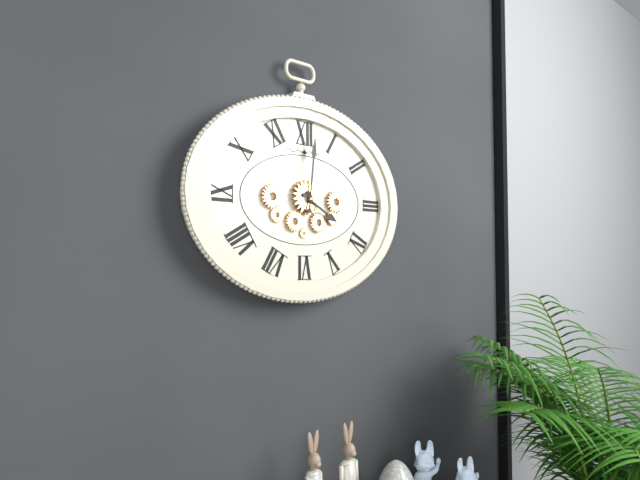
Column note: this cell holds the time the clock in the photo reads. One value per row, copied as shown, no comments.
4:01
